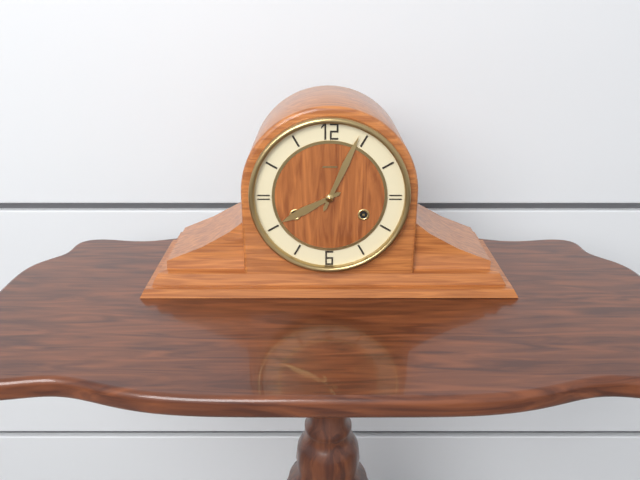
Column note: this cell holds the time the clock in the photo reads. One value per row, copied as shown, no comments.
8:04
